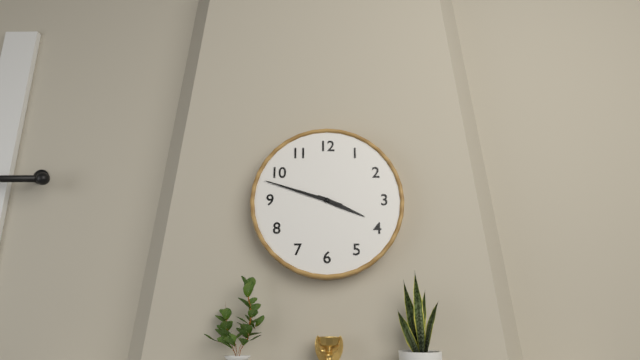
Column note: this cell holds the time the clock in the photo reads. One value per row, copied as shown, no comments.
3:48
